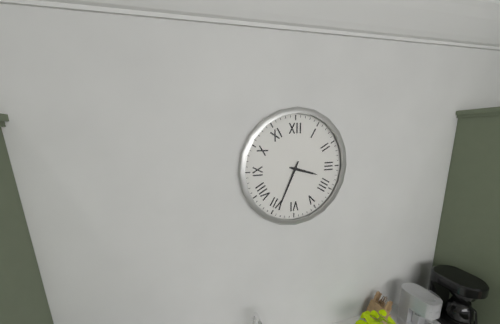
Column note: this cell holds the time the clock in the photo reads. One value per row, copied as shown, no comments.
3:34
